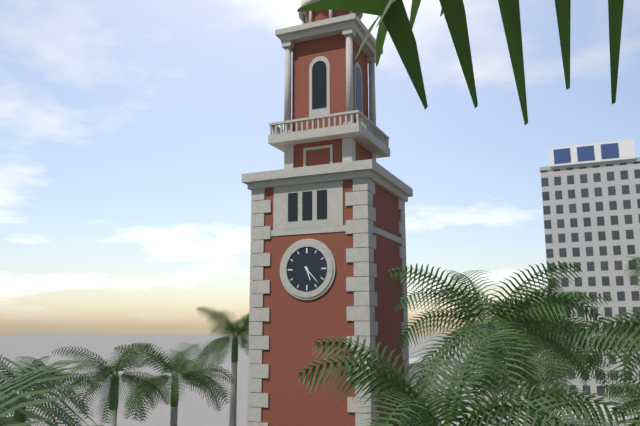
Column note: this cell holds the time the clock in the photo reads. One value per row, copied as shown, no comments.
5:23
